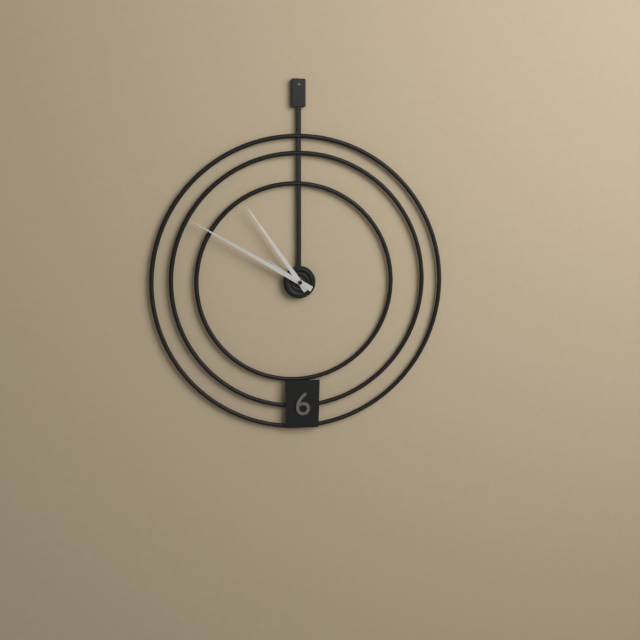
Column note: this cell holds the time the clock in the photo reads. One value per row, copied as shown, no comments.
10:50:51
